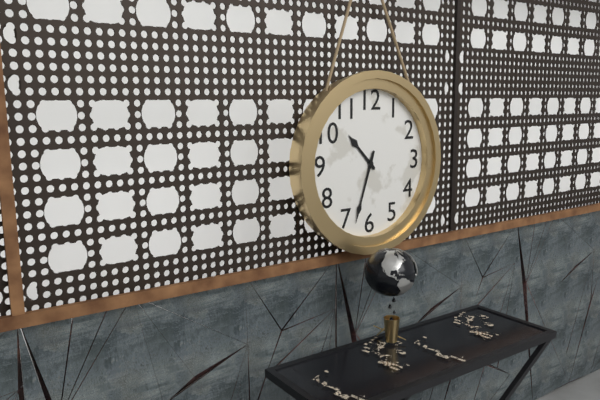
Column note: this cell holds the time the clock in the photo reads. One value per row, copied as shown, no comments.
10:33
